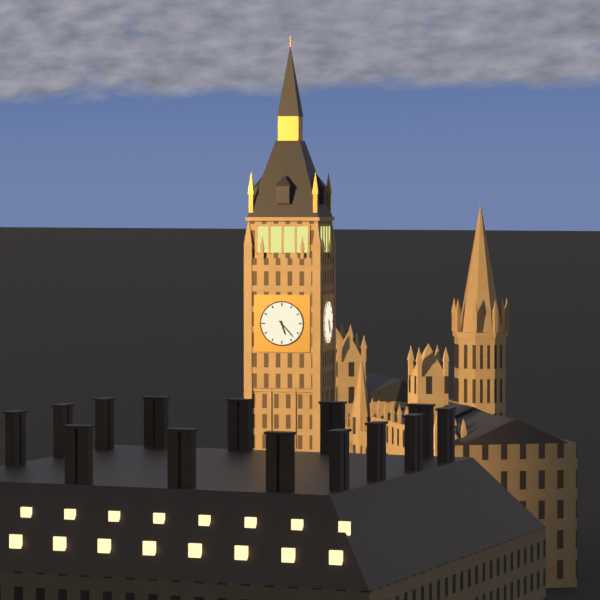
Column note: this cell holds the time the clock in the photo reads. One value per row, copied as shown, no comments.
5:23
